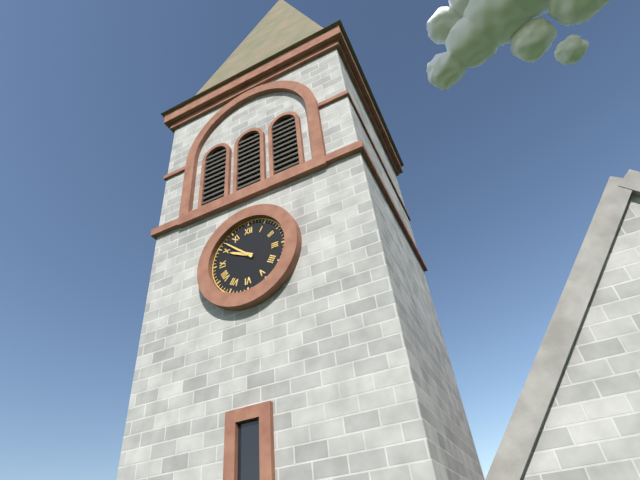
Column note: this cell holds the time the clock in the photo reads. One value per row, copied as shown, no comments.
9:52
